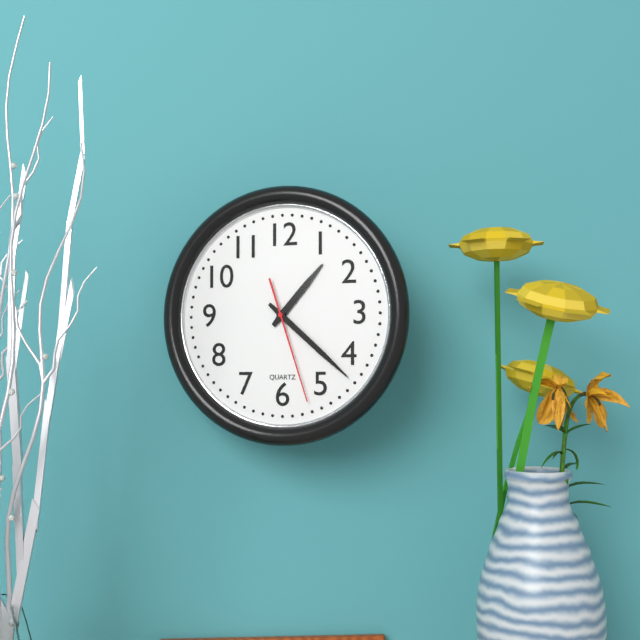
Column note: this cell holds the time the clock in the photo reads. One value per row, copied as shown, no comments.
1:22:27
